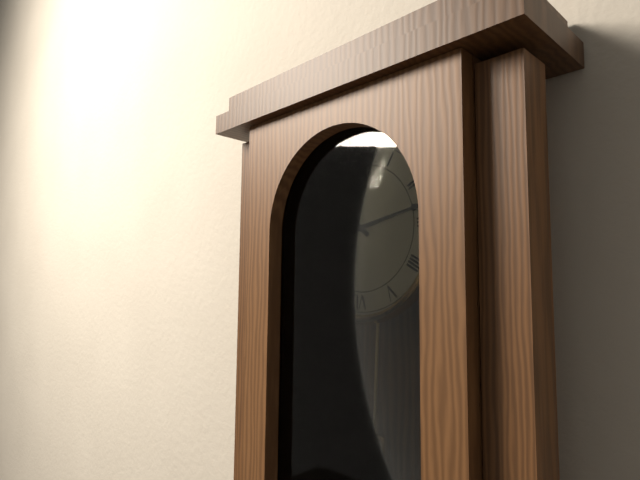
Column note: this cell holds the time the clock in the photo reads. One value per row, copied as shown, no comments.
10:13
